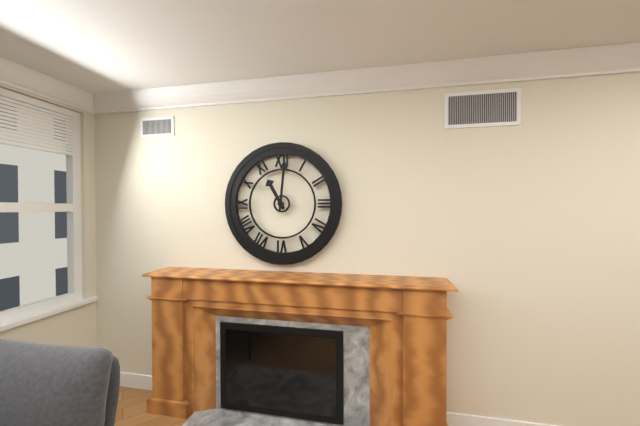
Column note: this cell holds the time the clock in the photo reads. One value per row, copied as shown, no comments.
11:01
